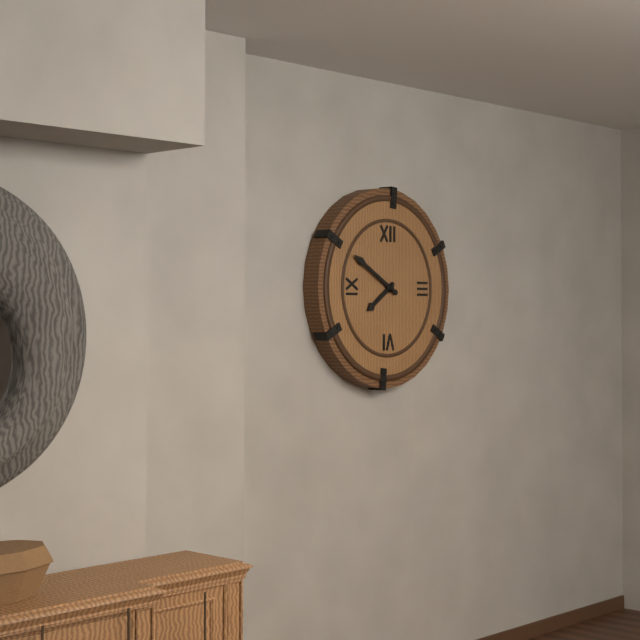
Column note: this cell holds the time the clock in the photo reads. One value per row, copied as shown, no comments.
7:50
